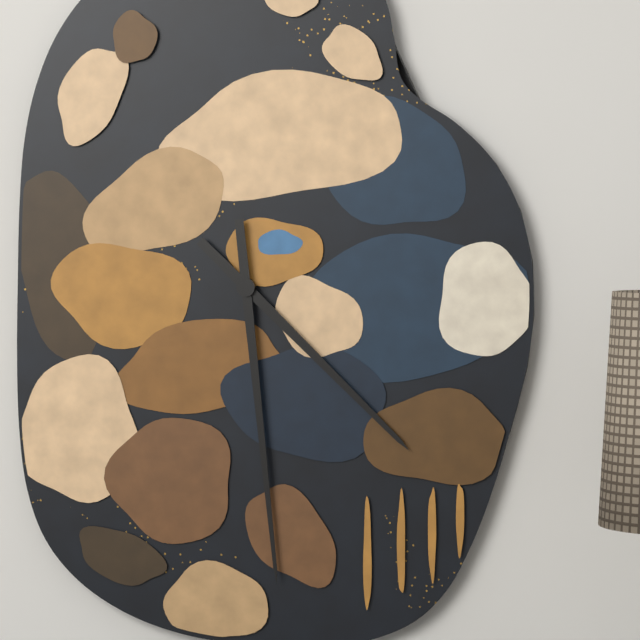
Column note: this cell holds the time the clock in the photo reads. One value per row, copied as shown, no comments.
4:29
